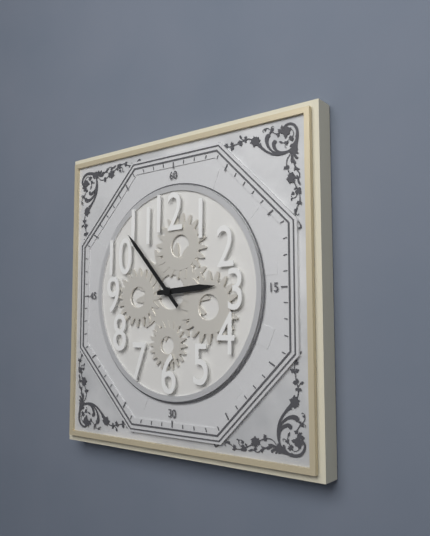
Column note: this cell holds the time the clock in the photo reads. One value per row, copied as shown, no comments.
2:53
